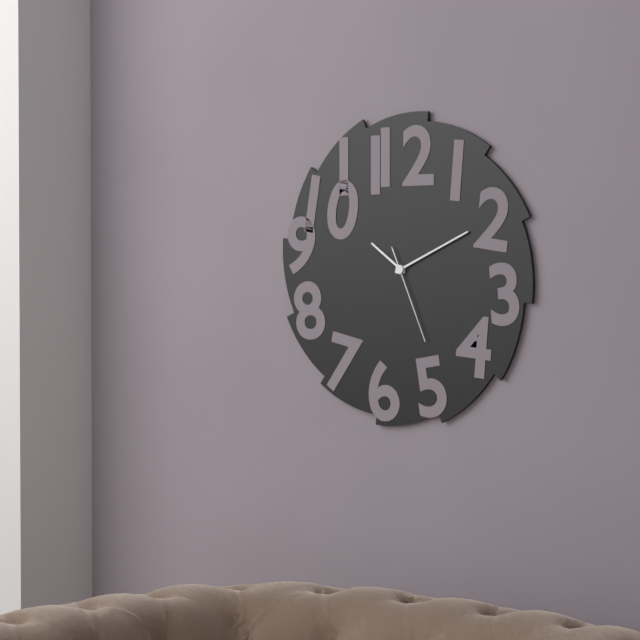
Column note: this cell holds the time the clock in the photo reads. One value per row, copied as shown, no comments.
10:11:26
